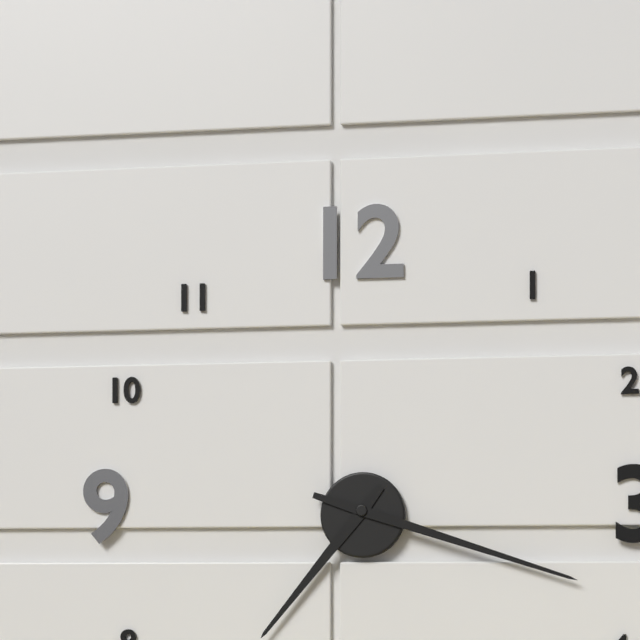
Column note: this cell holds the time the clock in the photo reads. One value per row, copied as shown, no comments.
7:18
